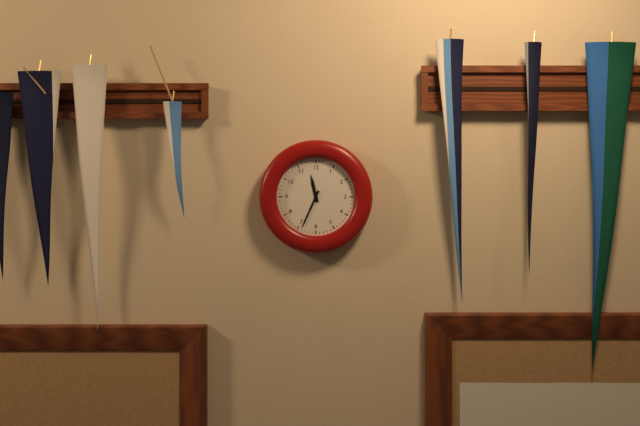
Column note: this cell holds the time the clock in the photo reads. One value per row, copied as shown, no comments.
11:34
